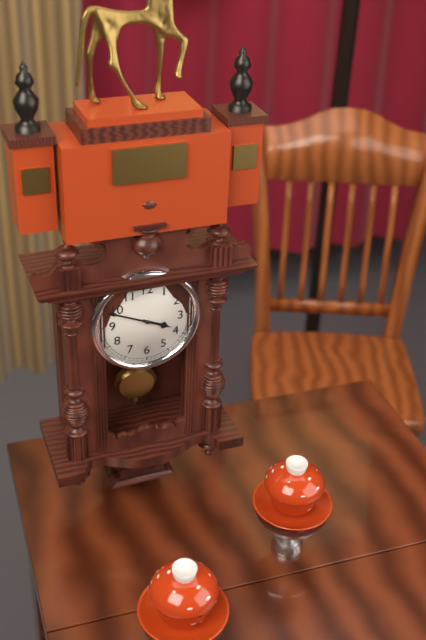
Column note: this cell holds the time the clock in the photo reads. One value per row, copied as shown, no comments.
3:49
